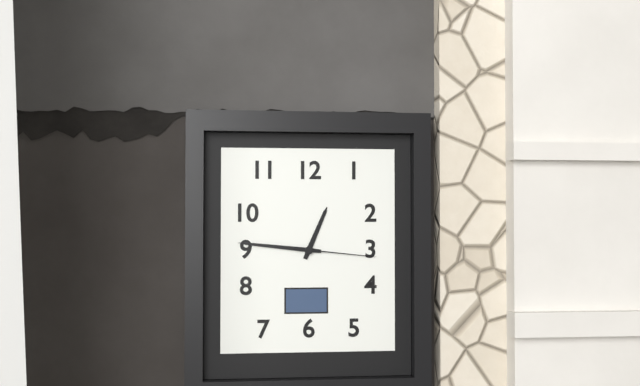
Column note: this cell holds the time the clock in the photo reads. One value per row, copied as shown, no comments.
12:46:16
